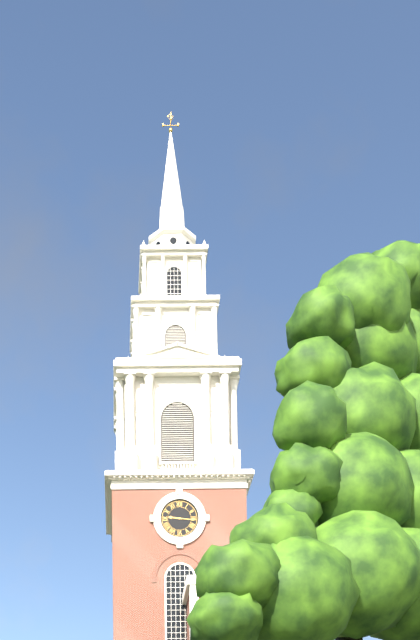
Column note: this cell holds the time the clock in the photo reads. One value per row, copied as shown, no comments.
9:16
